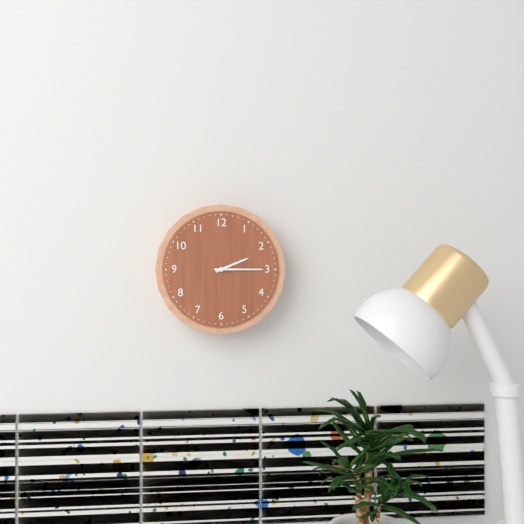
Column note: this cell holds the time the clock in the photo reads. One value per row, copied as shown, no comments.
2:15
